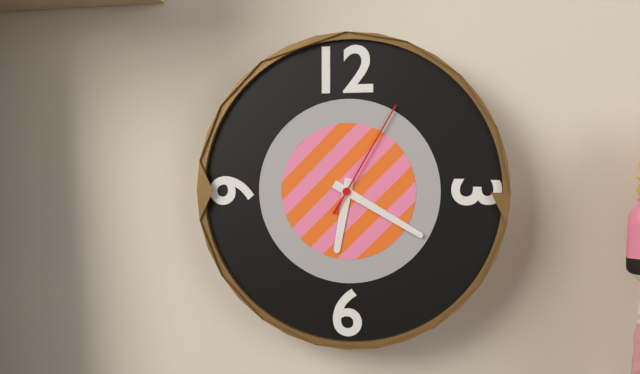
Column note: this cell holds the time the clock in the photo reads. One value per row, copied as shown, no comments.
6:20:05
